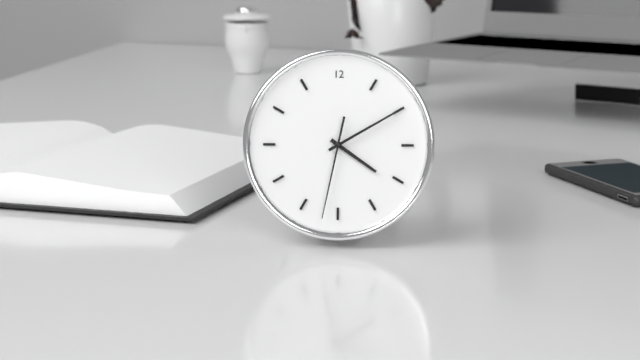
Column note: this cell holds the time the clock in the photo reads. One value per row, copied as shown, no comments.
4:10:32
